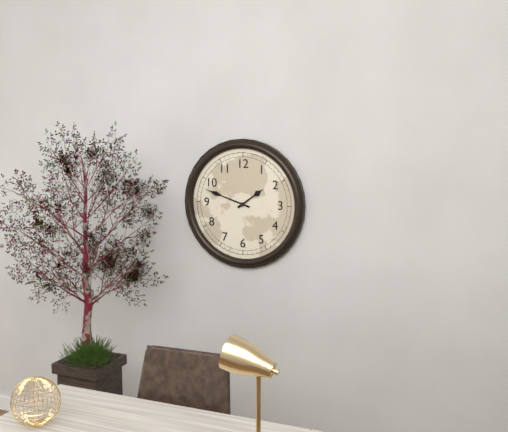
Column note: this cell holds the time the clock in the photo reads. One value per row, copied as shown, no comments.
1:48
